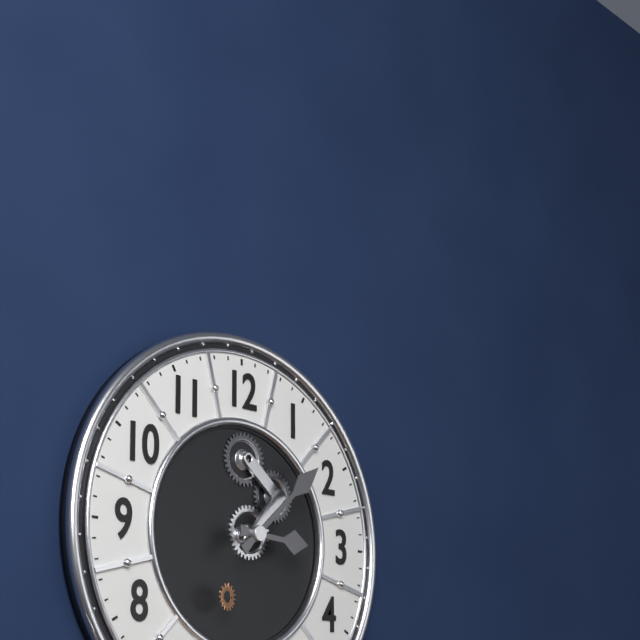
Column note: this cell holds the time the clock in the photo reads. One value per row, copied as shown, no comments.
3:08
